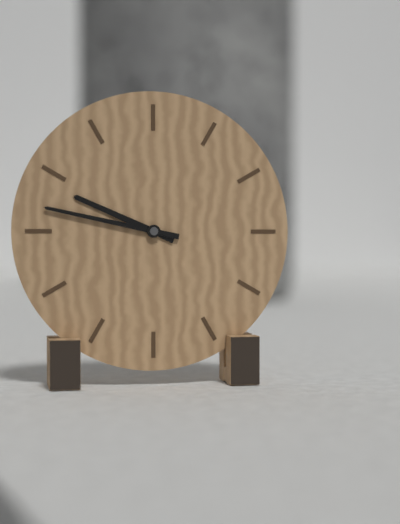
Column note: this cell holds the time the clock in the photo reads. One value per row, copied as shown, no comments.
9:47
